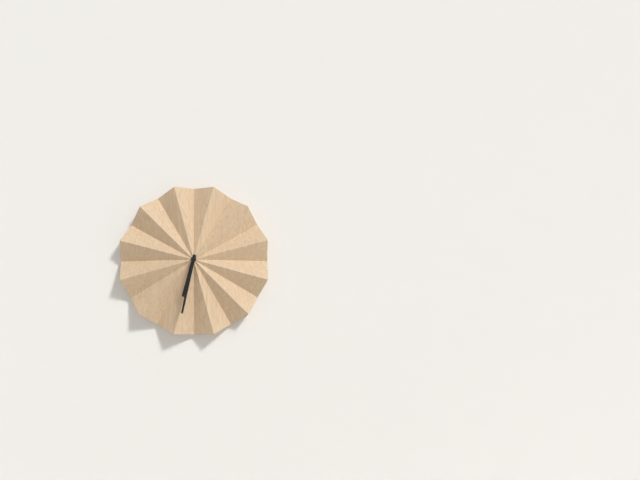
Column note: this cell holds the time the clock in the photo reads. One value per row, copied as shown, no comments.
6:32
